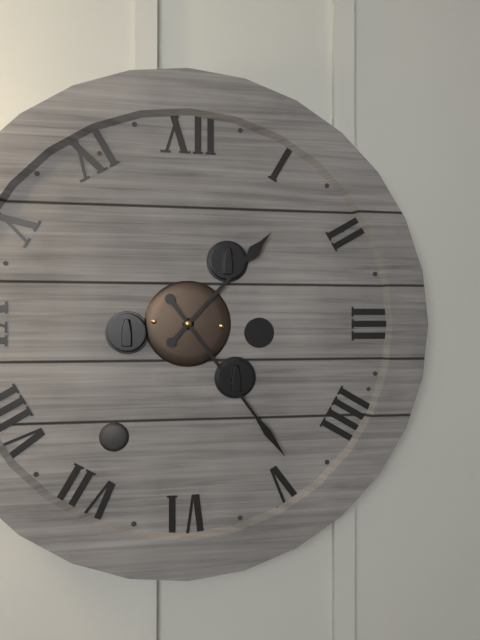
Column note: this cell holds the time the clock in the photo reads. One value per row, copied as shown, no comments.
1:24
